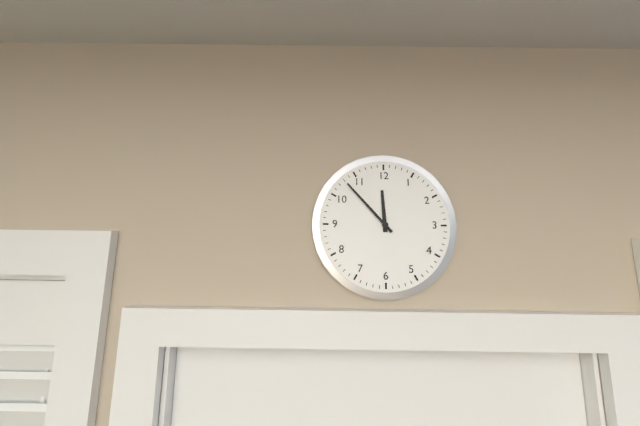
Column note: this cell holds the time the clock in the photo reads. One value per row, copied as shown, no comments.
11:53
